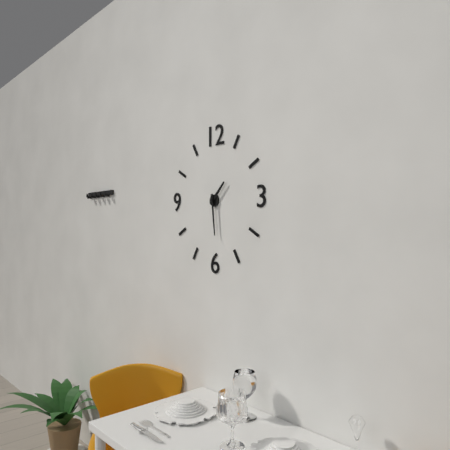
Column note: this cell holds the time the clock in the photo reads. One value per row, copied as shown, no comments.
1:29
